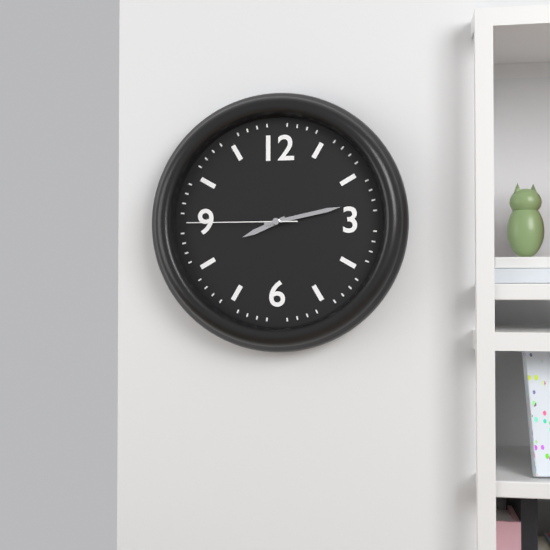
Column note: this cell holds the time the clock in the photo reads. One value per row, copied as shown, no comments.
8:13:45
